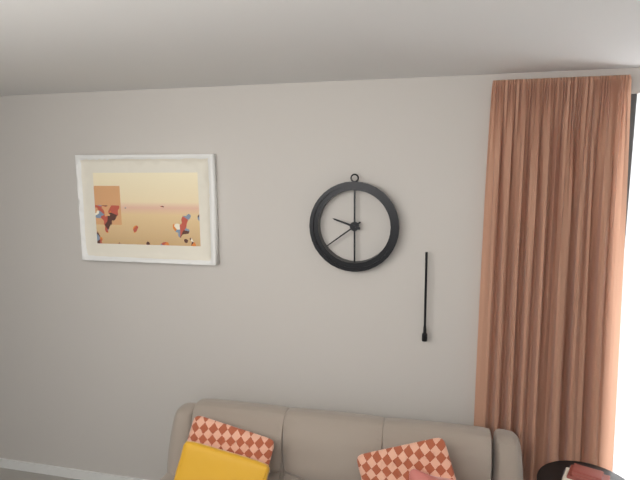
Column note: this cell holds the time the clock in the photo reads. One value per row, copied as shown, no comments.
9:39
